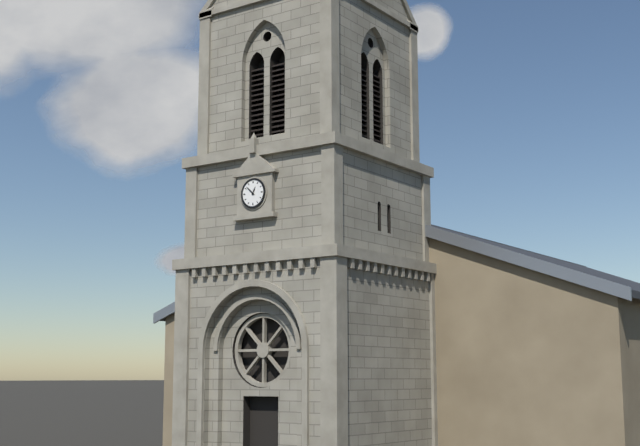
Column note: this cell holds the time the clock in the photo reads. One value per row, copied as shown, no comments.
12:52
